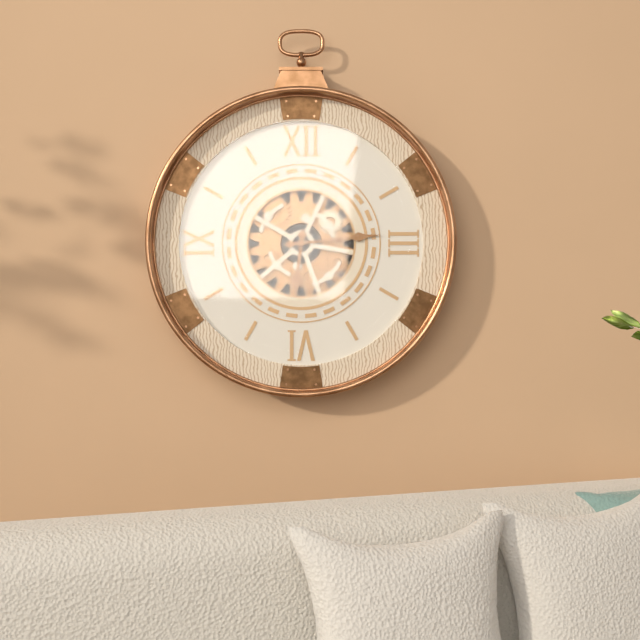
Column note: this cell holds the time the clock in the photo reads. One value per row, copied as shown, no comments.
6:14
